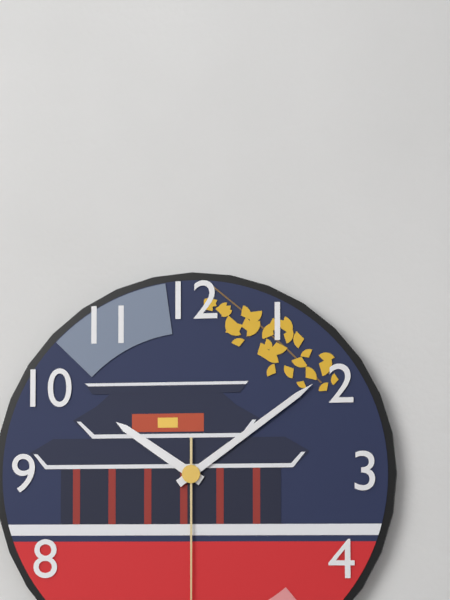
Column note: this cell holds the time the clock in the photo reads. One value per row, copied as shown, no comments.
10:09
